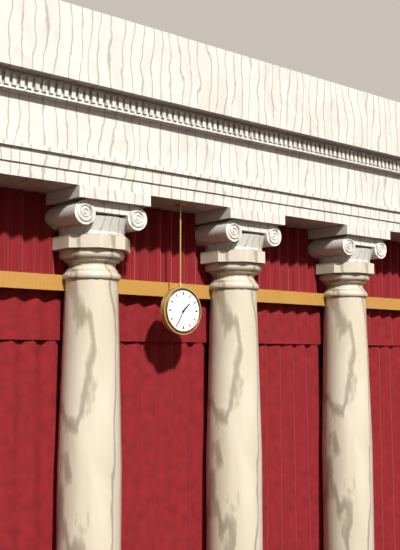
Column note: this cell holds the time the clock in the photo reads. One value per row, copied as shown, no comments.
1:35
